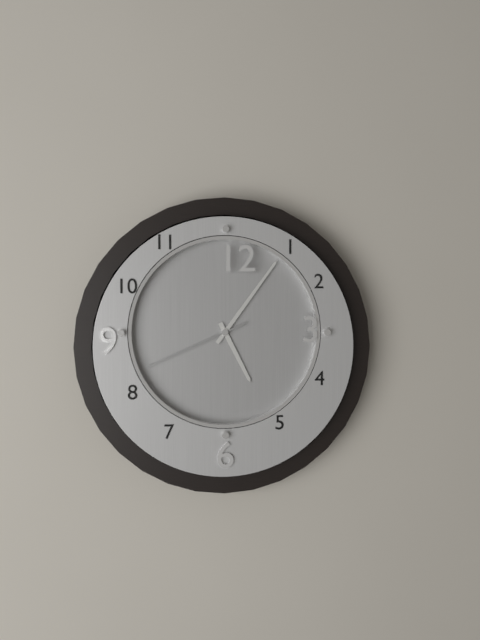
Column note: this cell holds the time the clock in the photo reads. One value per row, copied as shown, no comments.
5:06:41
